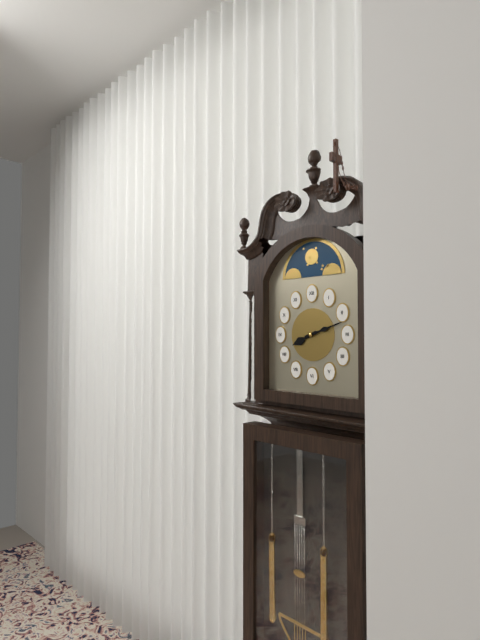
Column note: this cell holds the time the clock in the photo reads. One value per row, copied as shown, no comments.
8:12
